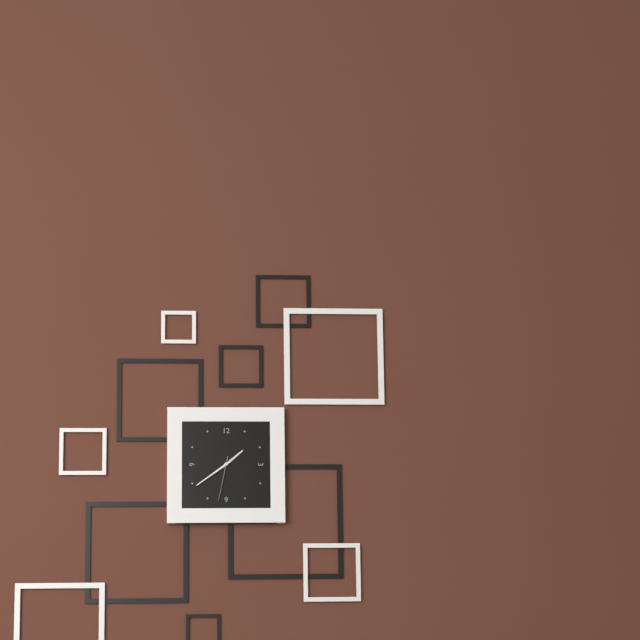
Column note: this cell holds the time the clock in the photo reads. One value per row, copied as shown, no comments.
1:39
